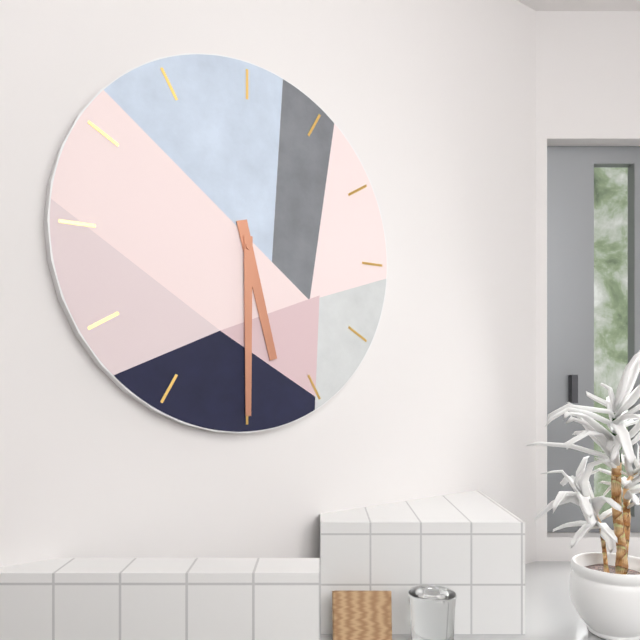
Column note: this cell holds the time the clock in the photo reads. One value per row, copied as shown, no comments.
5:30
